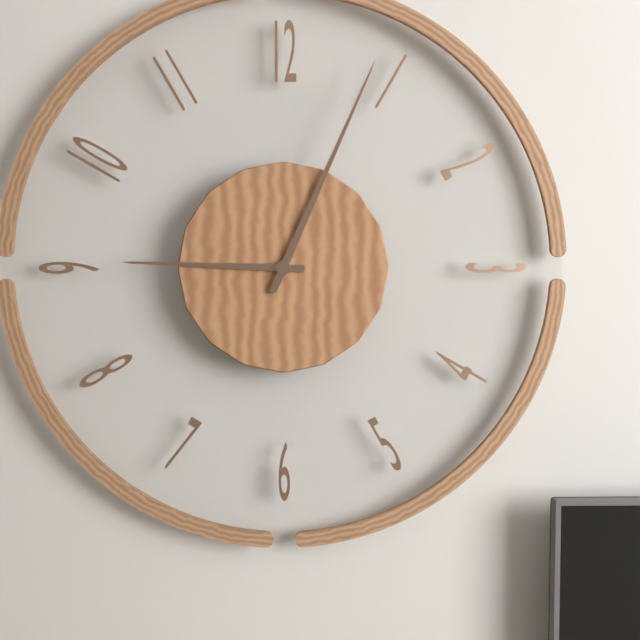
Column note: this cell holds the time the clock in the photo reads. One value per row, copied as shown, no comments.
9:04
